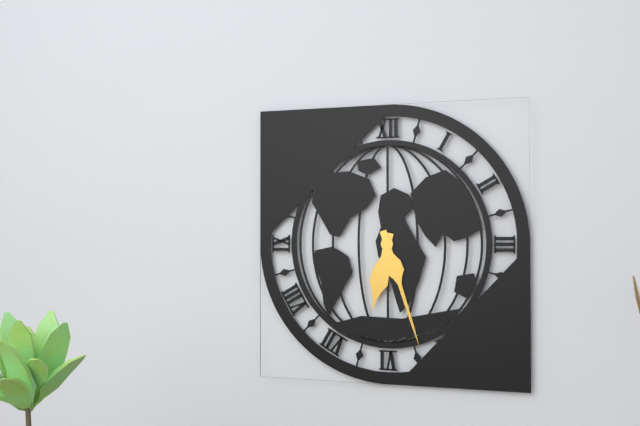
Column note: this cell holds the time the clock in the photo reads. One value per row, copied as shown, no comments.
6:27
